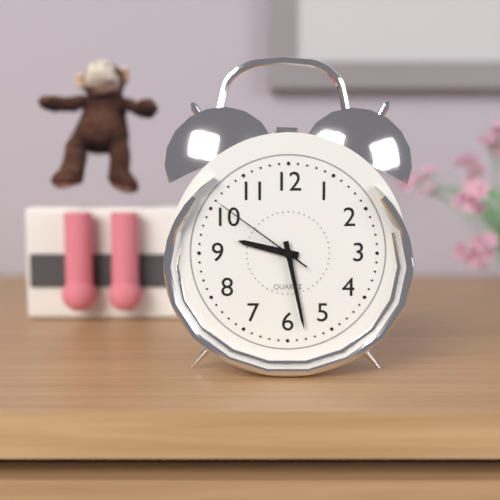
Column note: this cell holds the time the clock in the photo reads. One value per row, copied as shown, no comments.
9:28:51
